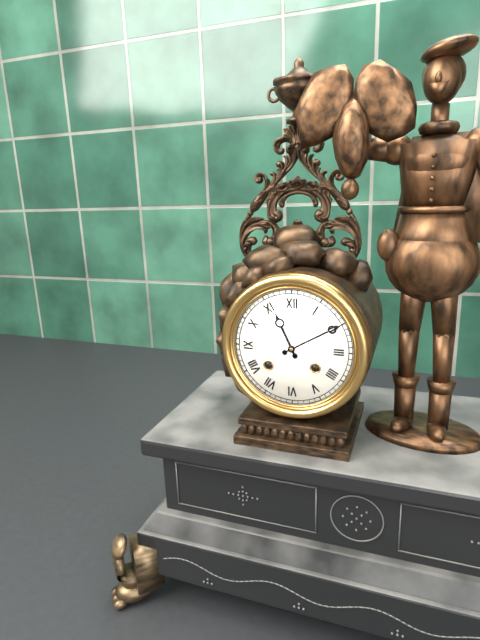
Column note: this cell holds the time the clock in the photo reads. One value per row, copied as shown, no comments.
11:10
